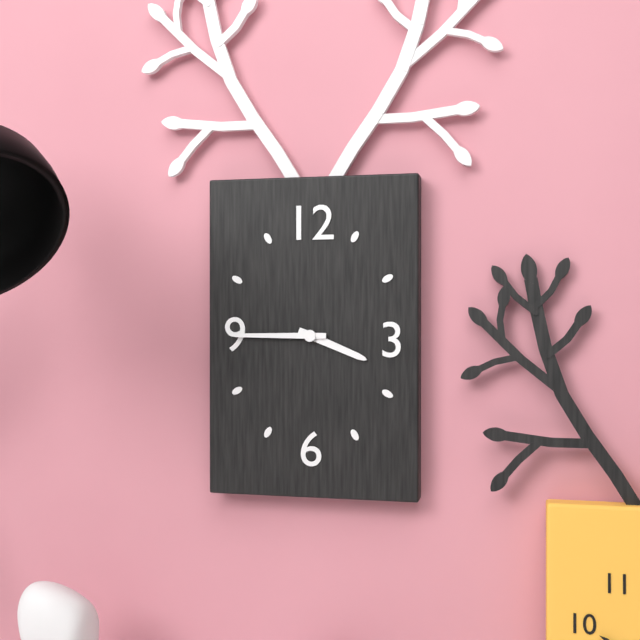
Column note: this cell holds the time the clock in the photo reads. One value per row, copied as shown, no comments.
3:45
